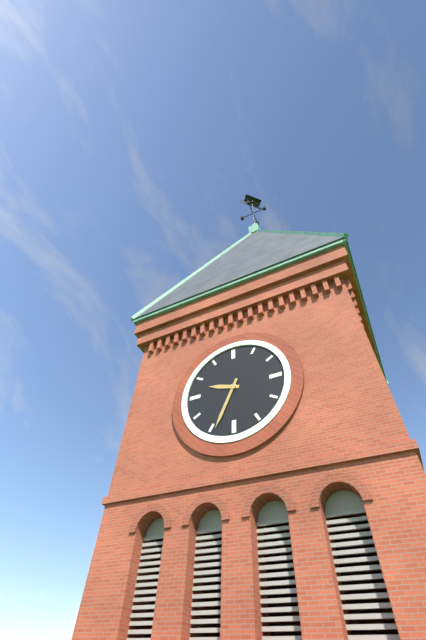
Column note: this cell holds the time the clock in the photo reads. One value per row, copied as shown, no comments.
9:34
